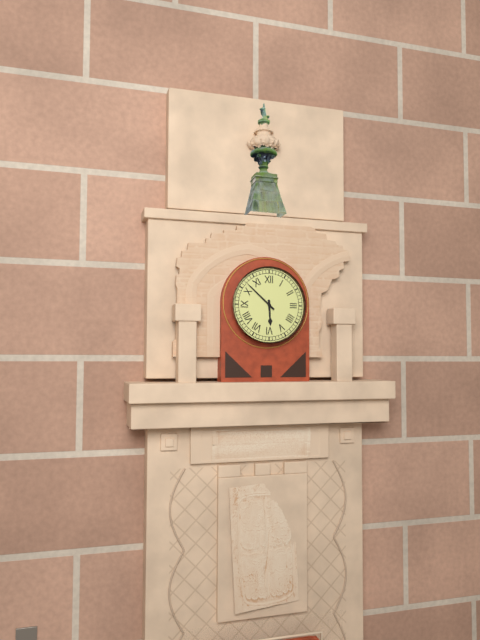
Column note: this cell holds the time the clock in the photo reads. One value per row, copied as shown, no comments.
5:52
